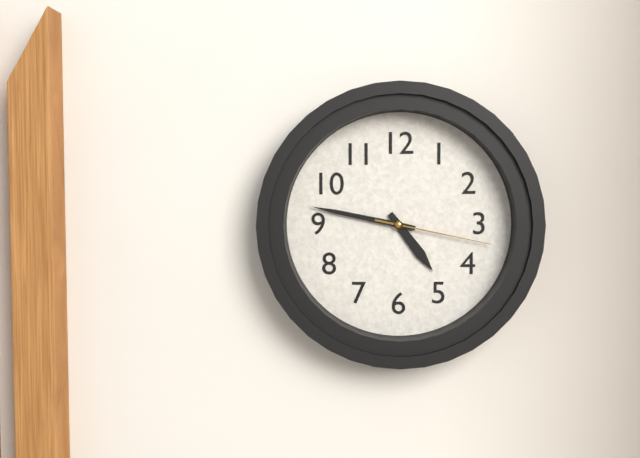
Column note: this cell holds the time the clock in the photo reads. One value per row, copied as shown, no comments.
4:47:17
